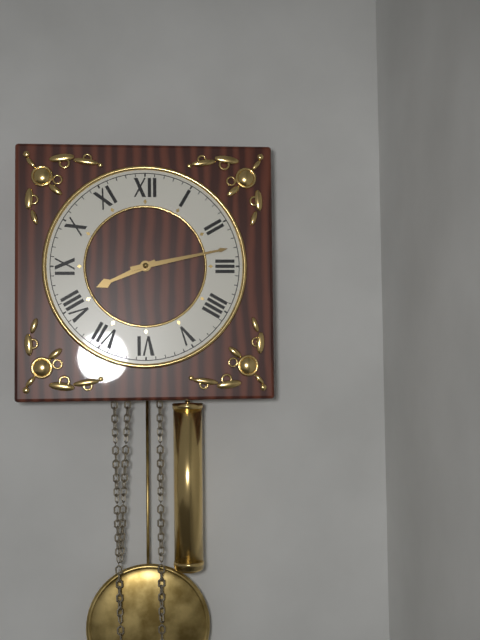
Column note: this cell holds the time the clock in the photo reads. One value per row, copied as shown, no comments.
8:13
